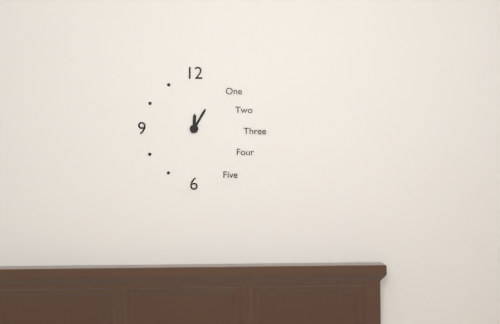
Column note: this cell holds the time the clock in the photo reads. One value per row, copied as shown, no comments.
12:05
